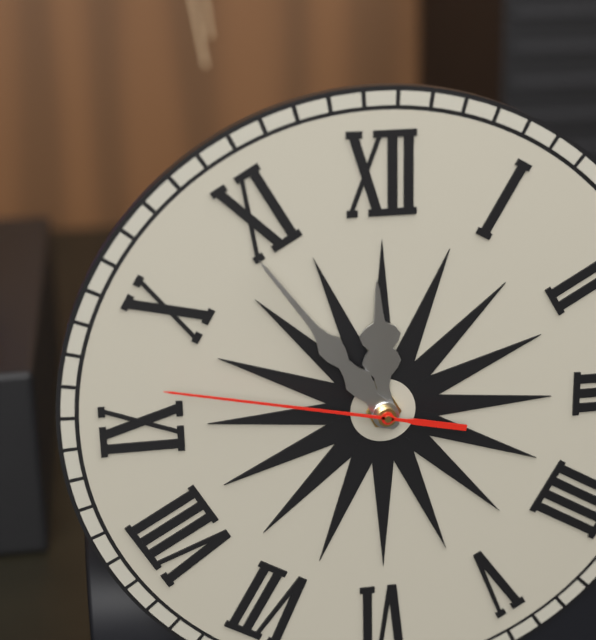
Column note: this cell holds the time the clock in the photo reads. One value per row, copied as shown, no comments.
11:54:47
